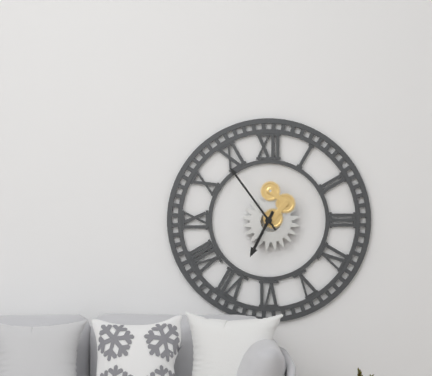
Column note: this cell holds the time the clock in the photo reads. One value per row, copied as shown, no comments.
6:54
